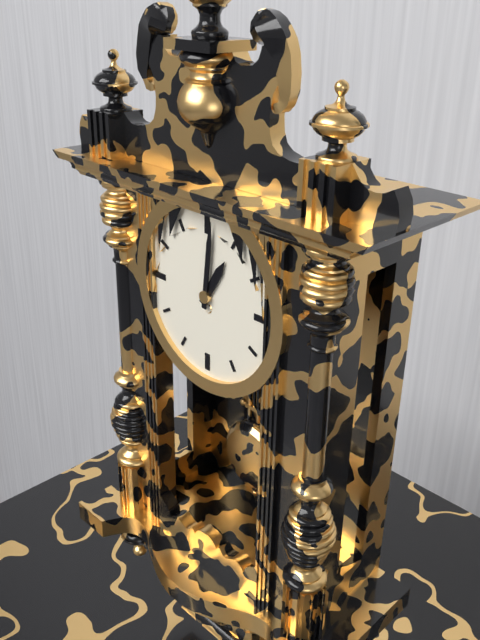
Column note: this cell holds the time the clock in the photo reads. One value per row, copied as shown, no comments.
1:01
